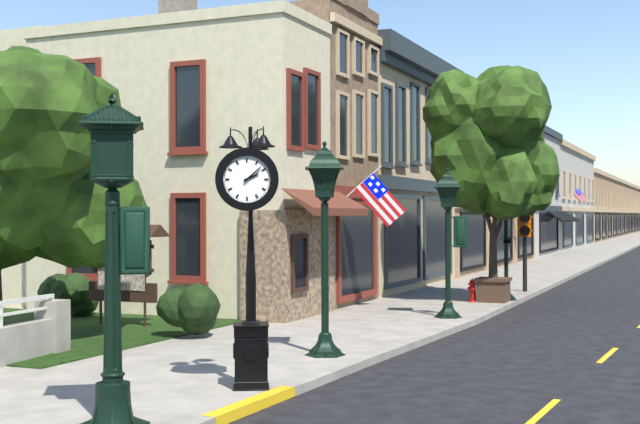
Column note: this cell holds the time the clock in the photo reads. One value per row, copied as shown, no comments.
2:08
